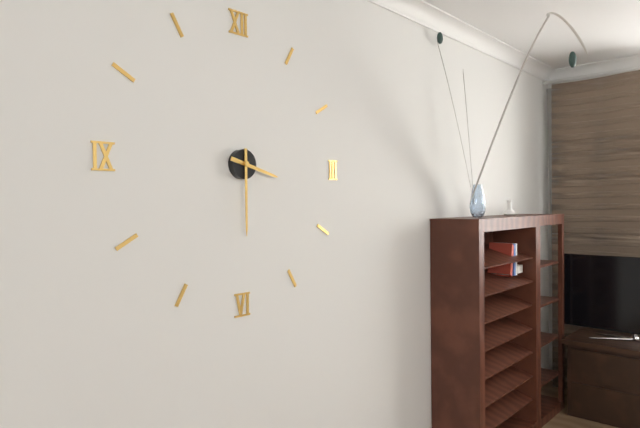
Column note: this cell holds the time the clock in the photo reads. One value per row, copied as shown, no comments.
3:30
